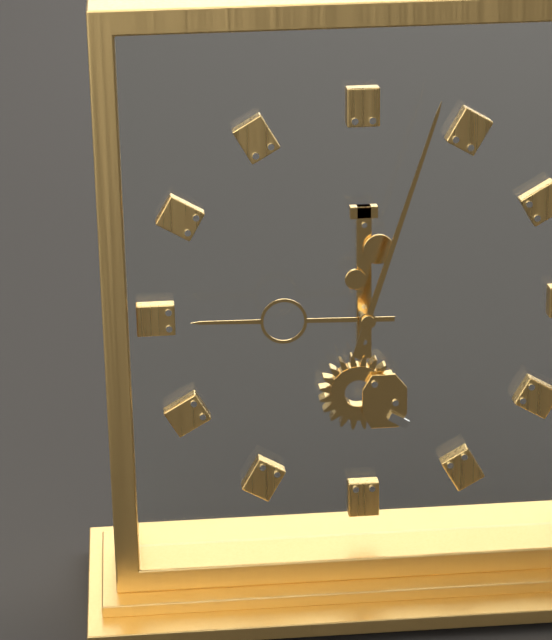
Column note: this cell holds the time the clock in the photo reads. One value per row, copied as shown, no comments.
9:03
